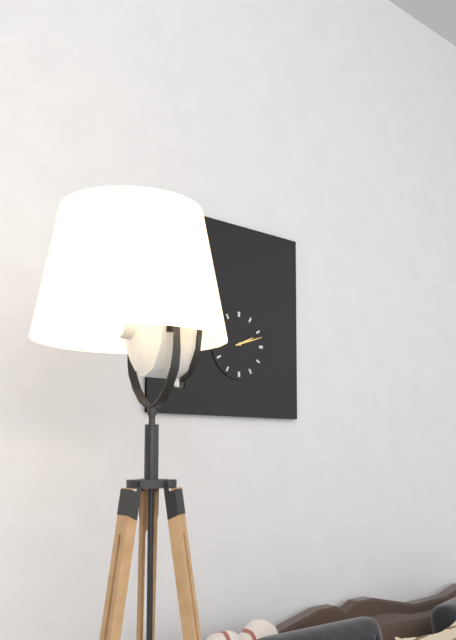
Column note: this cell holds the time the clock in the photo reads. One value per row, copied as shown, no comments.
2:12
